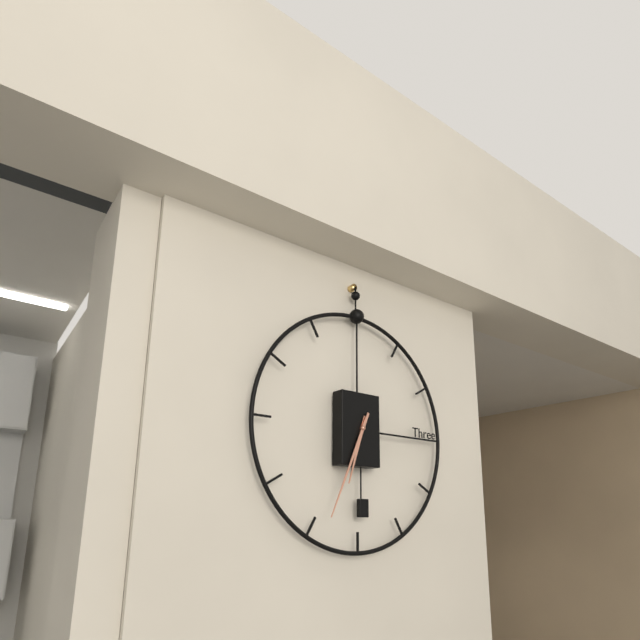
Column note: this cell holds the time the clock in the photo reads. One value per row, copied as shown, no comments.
6:34
